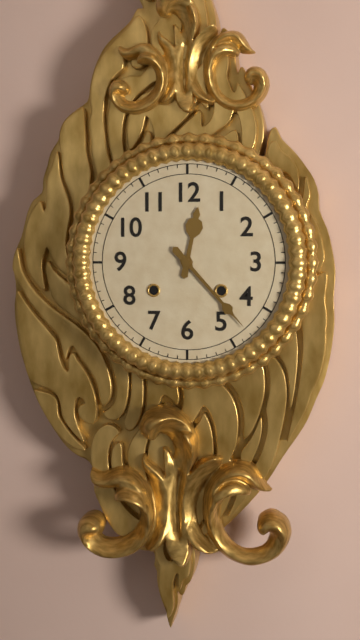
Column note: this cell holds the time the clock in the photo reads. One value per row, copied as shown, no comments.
12:23
